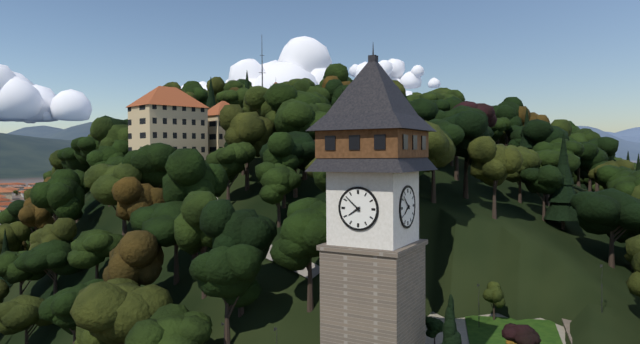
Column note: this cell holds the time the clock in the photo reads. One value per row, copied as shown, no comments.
7:52
